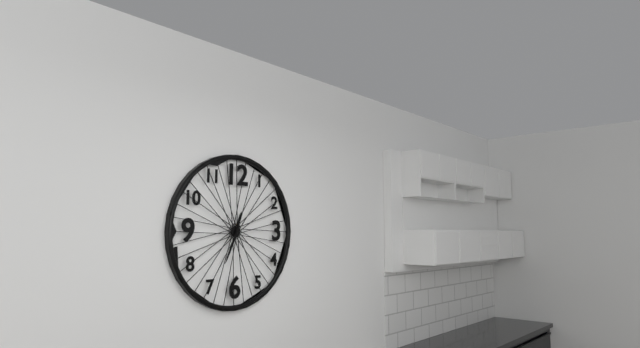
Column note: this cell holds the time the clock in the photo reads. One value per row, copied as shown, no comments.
12:34
